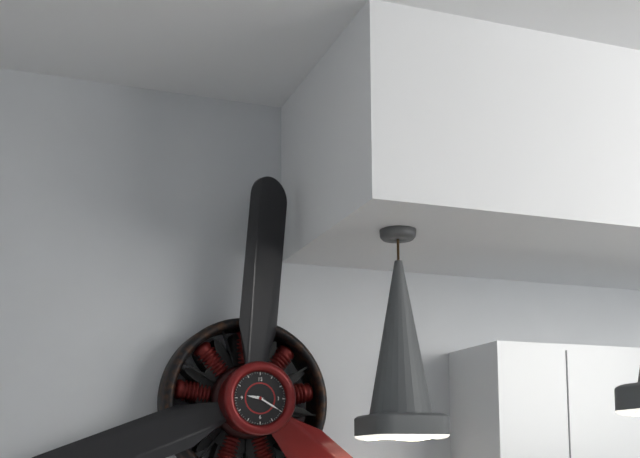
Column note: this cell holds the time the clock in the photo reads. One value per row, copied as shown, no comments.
9:20
